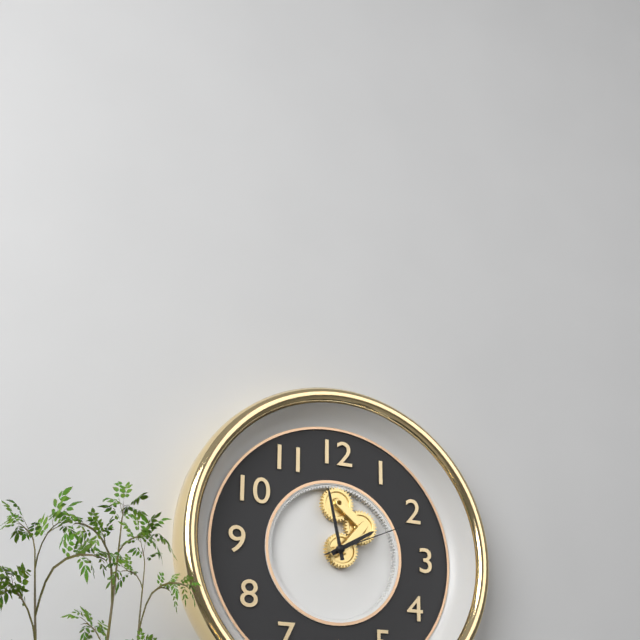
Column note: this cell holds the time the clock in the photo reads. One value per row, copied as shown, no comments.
1:58:11
